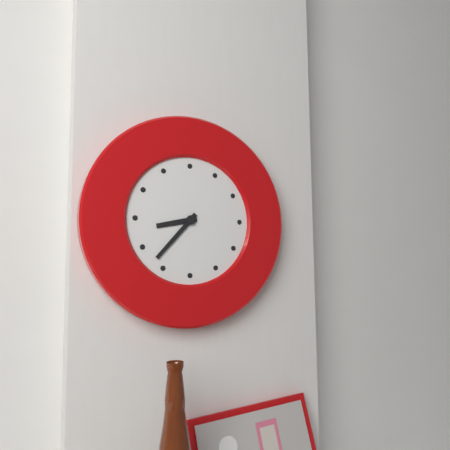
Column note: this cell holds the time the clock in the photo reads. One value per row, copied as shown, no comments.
8:37
